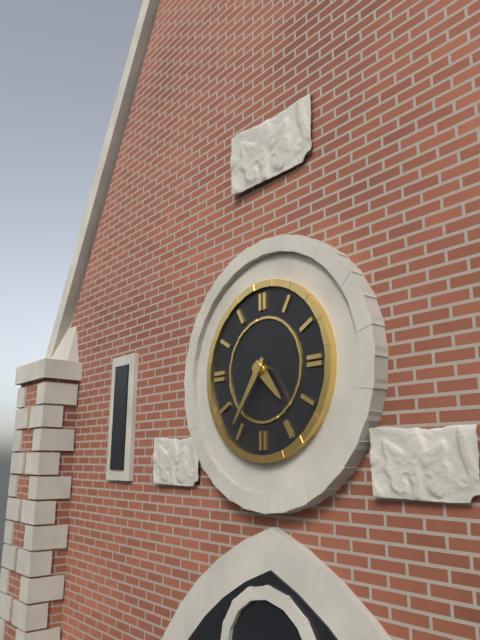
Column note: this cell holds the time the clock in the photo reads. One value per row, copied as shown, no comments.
4:36
